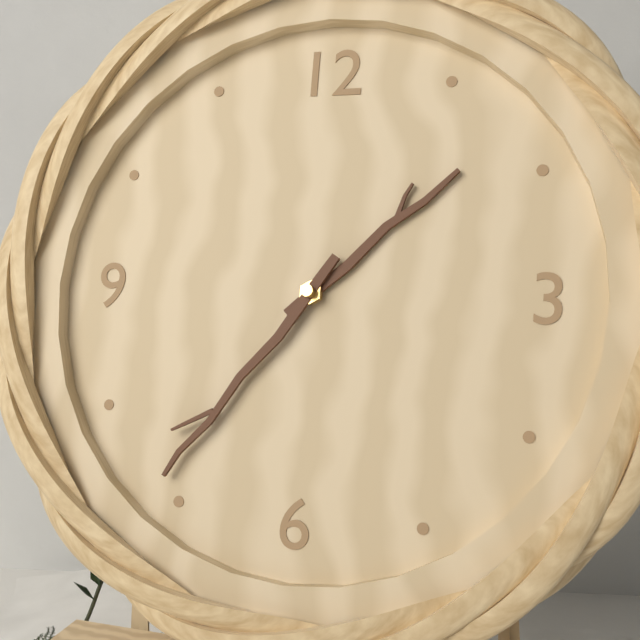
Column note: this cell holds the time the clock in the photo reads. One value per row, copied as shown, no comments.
1:36
